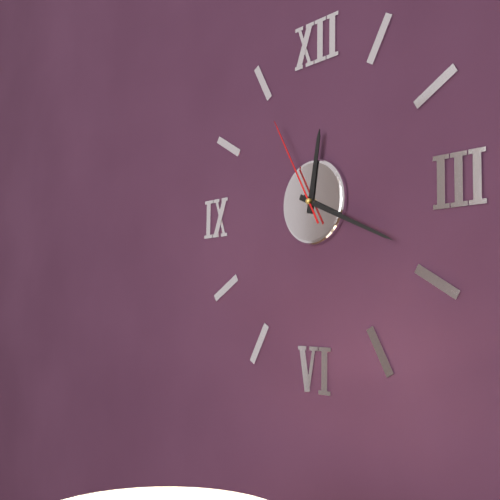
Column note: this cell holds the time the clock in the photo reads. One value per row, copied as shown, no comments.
12:19:55
